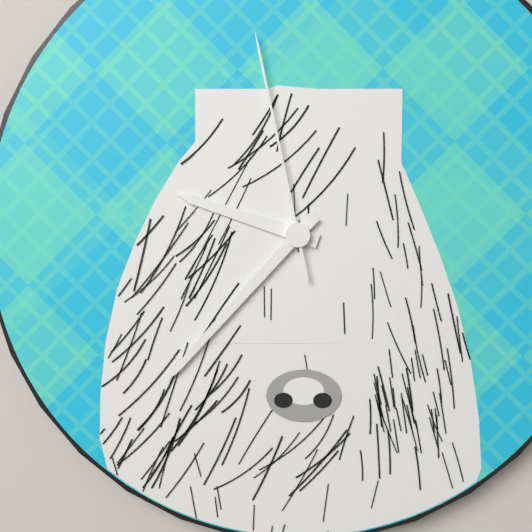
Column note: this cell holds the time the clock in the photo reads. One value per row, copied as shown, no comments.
9:37:58
